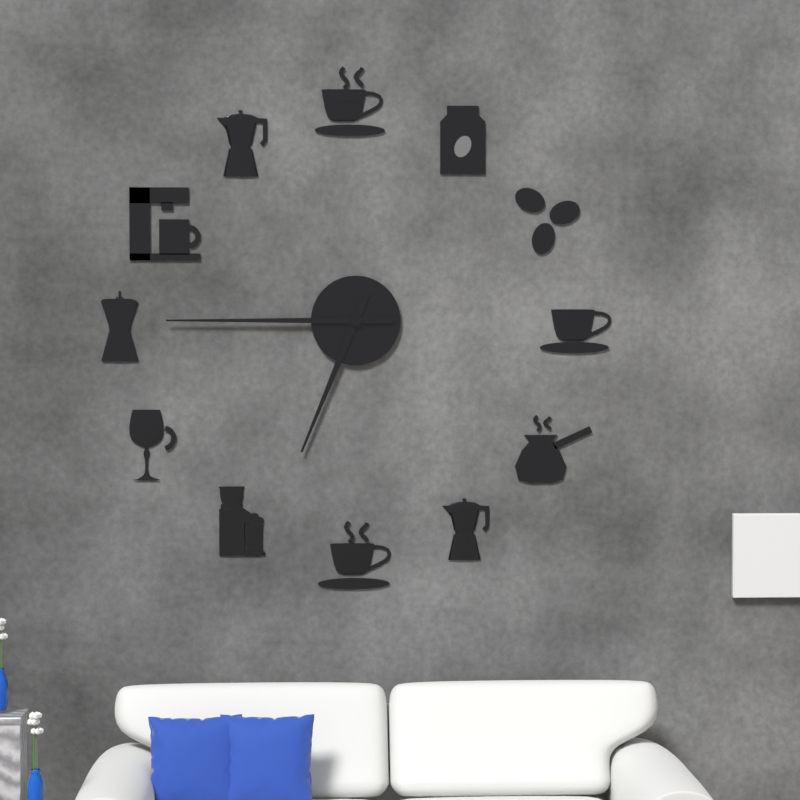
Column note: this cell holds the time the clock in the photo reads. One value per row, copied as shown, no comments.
6:45
